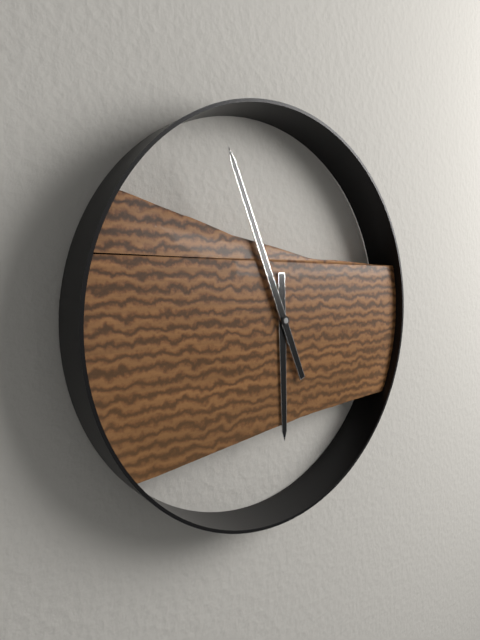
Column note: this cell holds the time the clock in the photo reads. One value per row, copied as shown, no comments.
5:56
